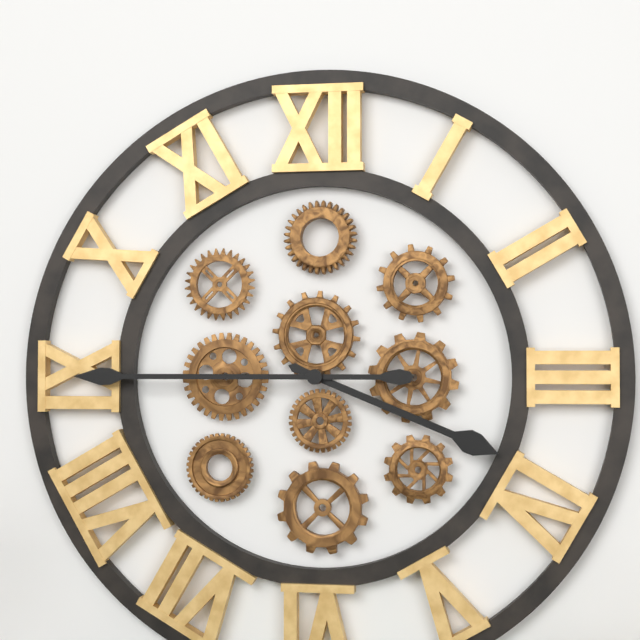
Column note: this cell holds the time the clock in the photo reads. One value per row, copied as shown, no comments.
3:45
